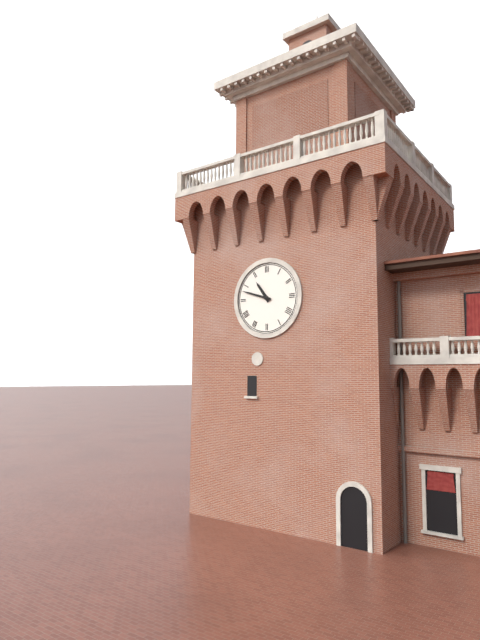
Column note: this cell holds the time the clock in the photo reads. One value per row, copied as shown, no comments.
10:48
